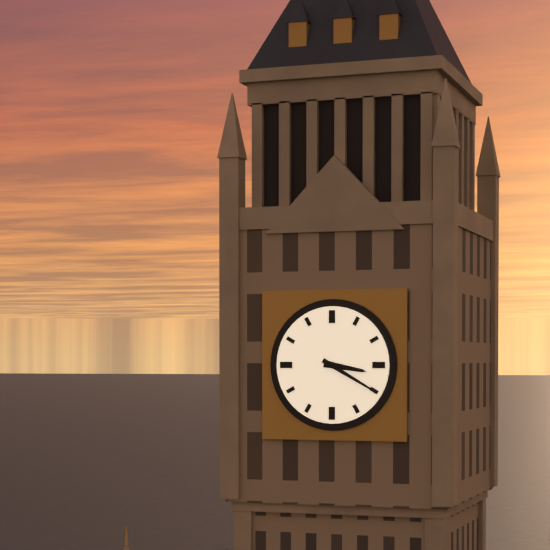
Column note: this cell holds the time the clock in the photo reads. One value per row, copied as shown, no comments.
3:20
